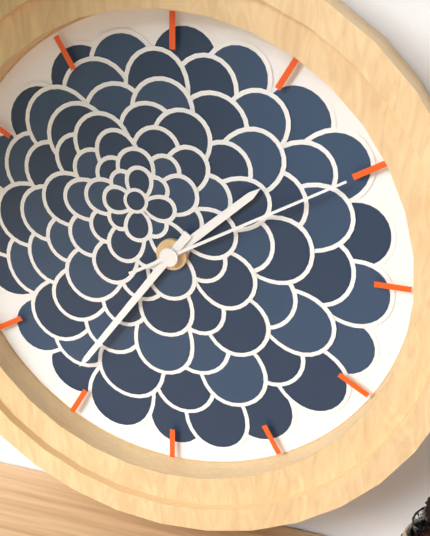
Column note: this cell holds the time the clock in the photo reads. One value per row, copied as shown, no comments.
1:36:10
